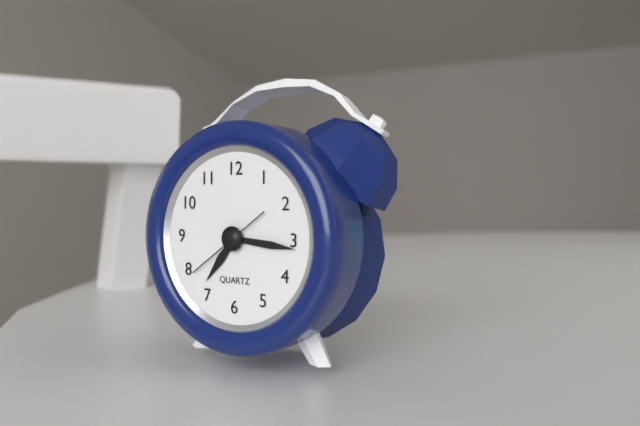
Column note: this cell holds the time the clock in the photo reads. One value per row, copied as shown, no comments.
7:16:39
